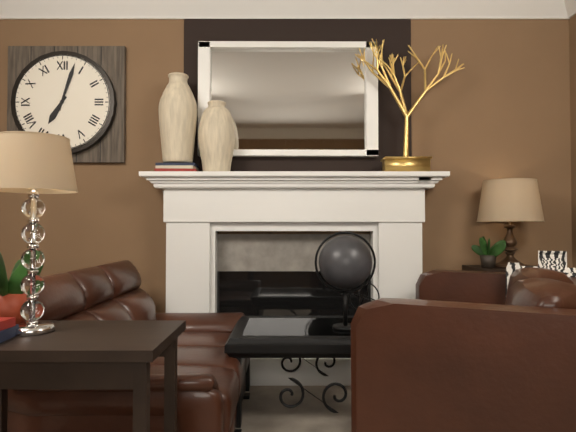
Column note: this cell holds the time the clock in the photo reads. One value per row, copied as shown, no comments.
7:03
